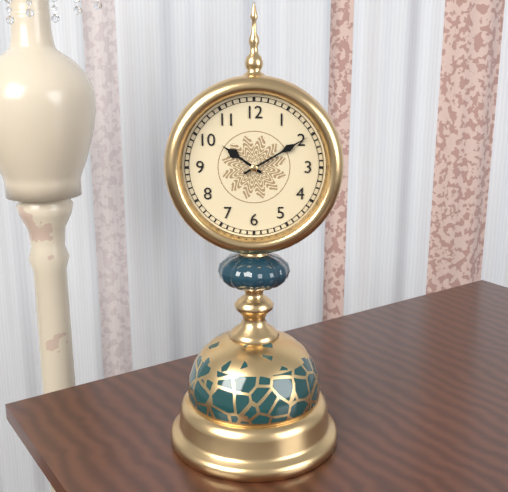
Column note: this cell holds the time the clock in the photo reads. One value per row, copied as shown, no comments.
10:10
